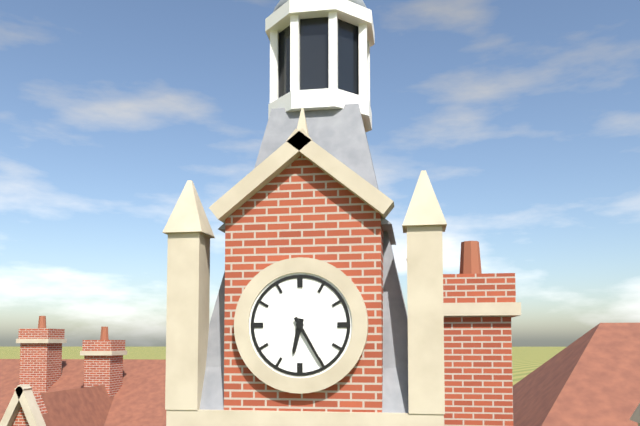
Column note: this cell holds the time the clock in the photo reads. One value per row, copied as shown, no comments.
6:25
